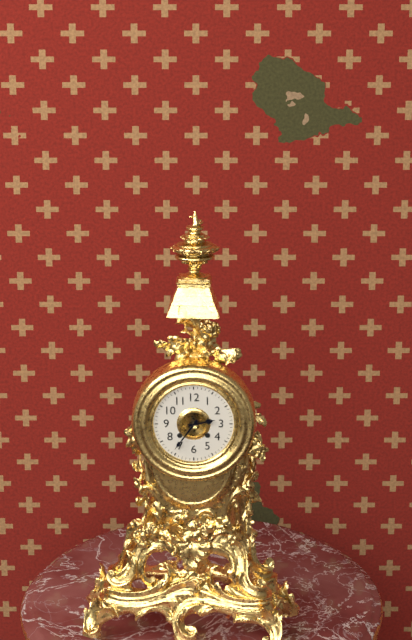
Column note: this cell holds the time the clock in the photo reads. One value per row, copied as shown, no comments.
2:36
